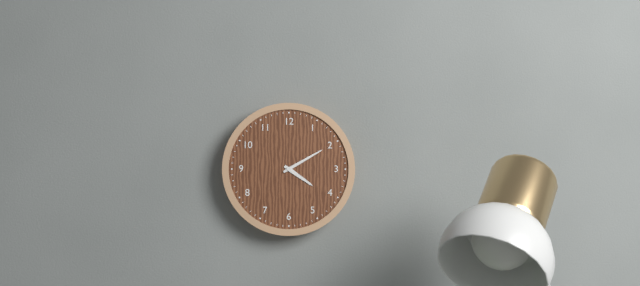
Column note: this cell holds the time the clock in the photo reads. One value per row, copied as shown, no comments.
4:10
